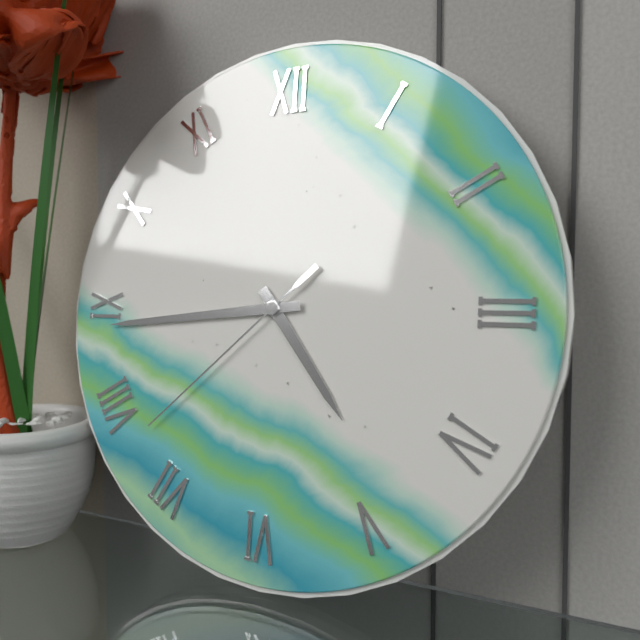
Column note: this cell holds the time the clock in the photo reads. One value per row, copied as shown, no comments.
4:44:38
